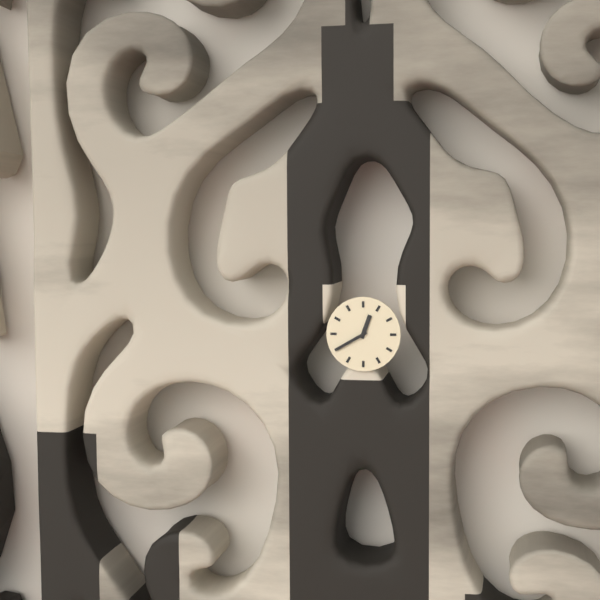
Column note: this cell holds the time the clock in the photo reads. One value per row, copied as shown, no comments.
12:40
